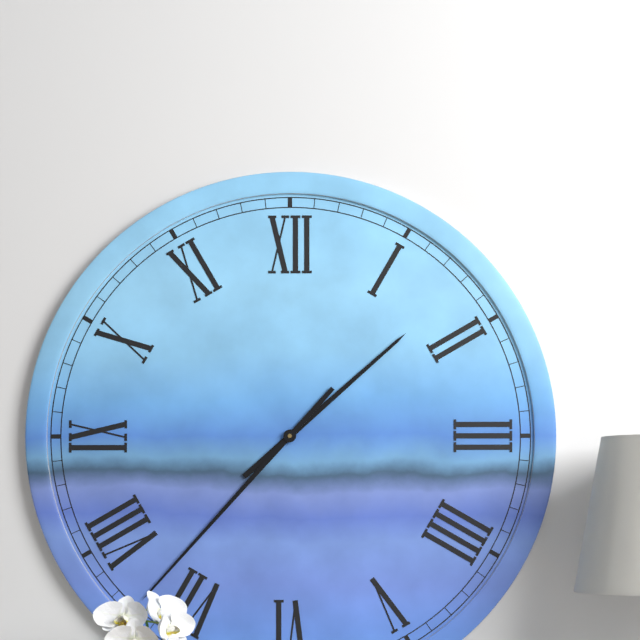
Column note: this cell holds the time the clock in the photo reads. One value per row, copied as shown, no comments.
1:37
